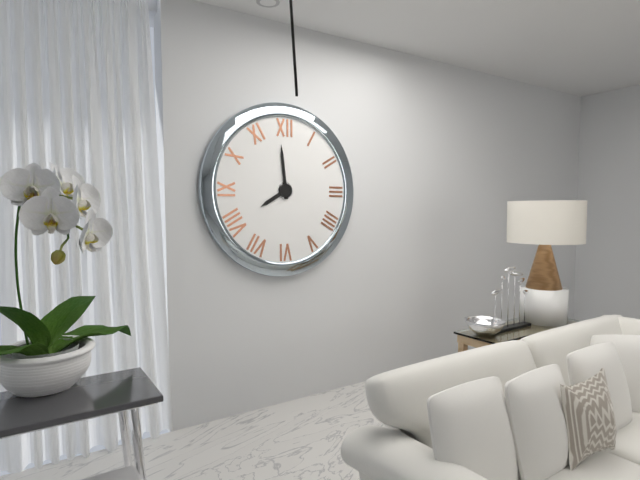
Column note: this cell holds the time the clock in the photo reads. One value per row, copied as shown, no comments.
7:59
